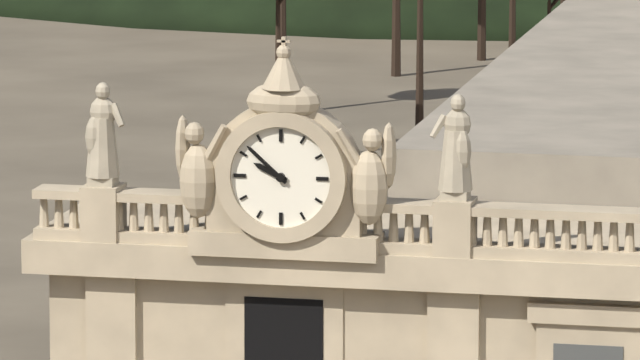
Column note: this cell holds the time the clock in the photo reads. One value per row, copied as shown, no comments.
9:52
